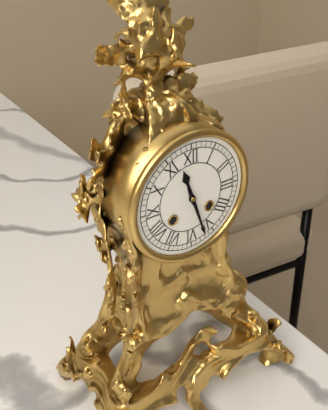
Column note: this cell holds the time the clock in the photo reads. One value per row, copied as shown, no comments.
11:27
